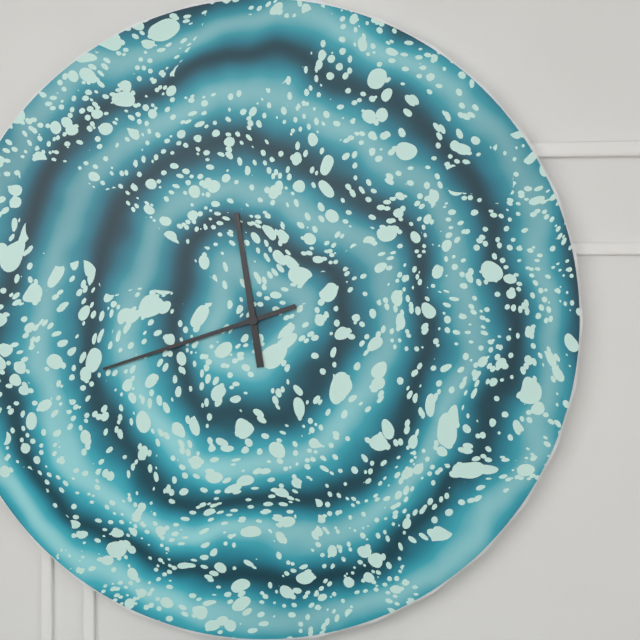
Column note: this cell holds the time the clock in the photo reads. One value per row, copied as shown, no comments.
11:42
